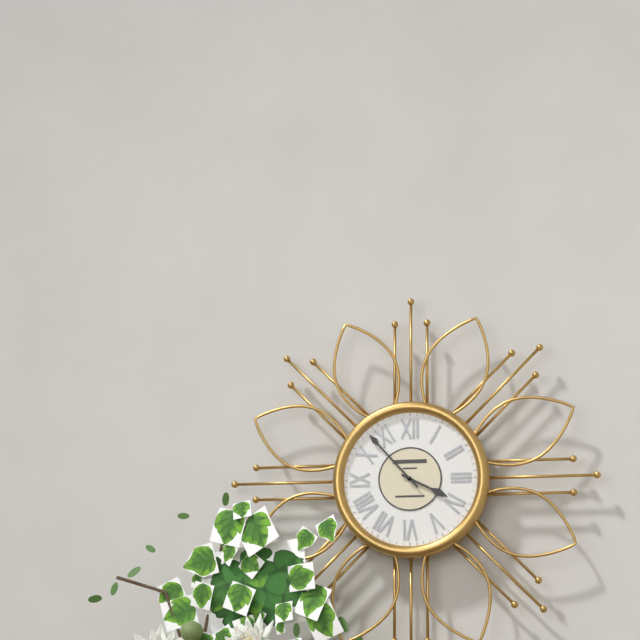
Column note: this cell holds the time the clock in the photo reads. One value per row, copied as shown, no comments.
3:53
